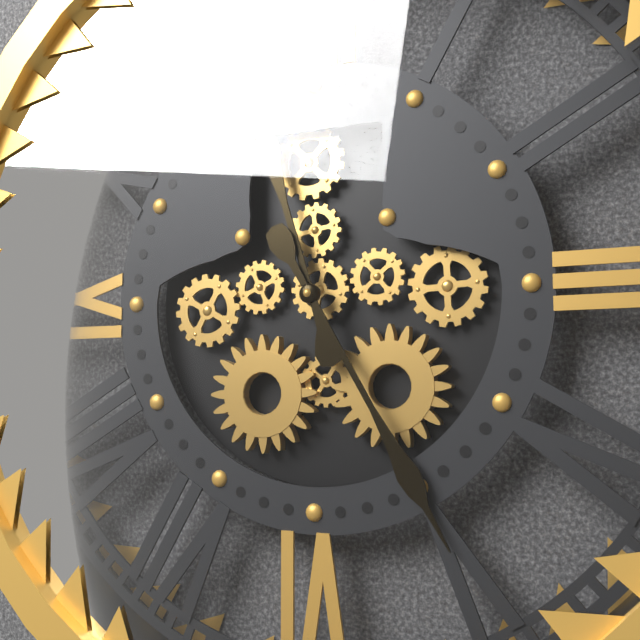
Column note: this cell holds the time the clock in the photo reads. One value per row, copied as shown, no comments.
11:25
